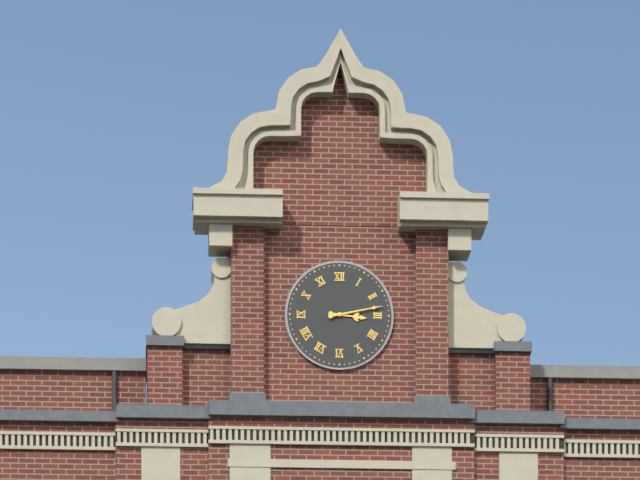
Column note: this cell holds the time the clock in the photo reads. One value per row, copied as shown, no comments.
3:13
